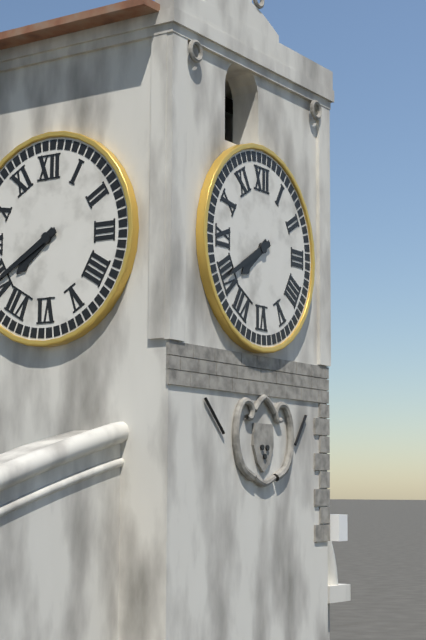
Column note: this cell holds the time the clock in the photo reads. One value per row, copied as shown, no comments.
7:40
